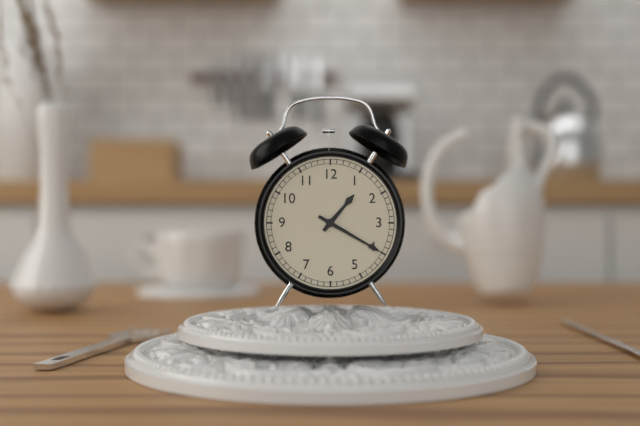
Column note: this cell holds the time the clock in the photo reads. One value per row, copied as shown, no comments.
1:20
